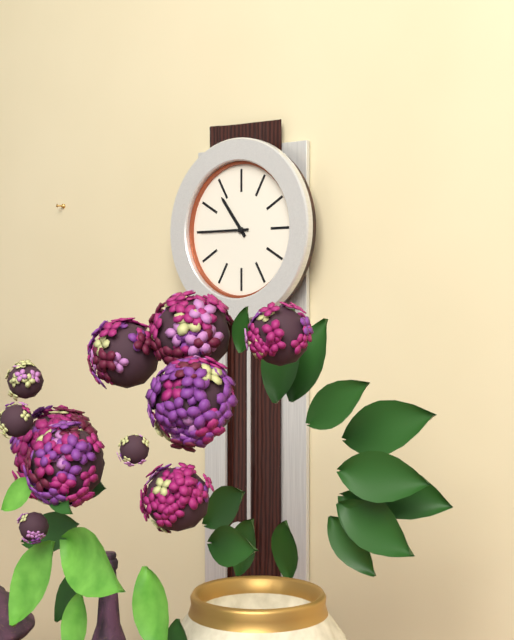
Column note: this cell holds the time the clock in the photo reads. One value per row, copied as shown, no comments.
10:45
